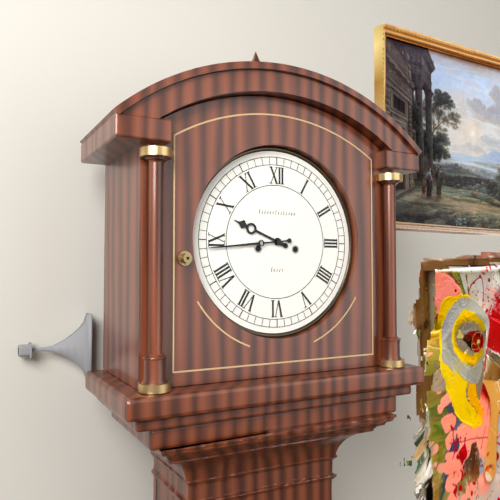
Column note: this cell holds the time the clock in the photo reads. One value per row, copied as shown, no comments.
9:44
